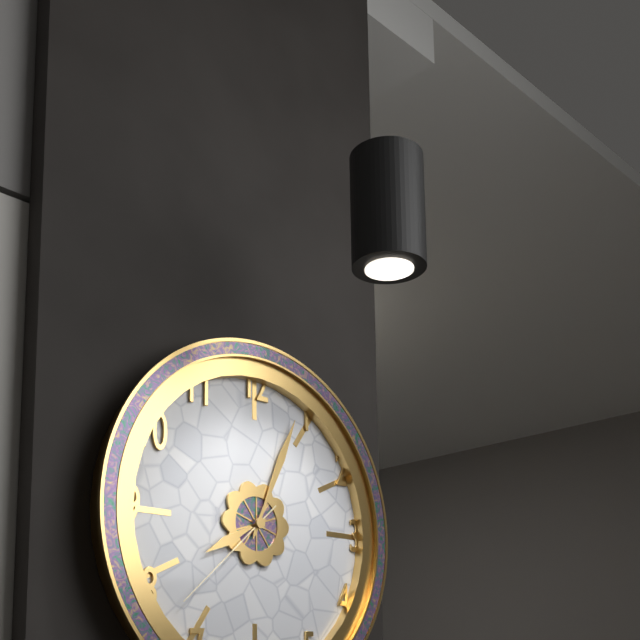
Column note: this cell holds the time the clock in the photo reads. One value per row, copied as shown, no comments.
8:04:38
